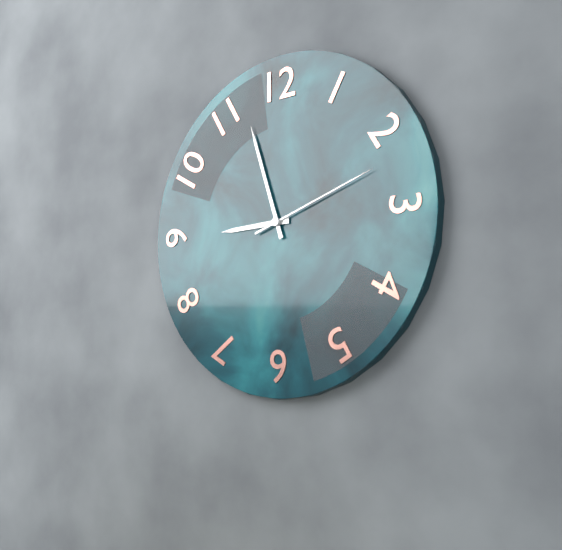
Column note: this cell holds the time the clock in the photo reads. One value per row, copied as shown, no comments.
8:57:12
